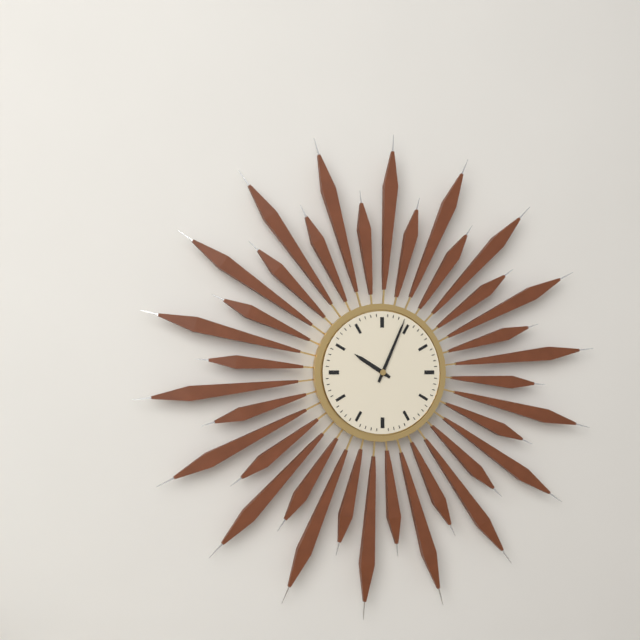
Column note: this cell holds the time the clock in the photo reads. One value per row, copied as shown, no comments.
10:04
